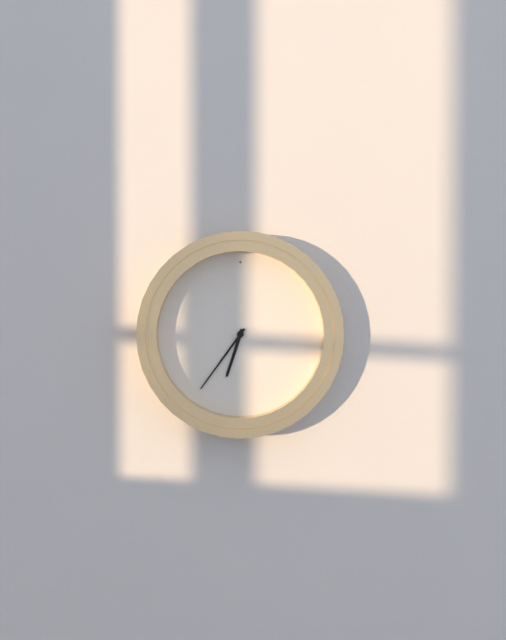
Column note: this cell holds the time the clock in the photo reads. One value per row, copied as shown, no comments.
6:36
